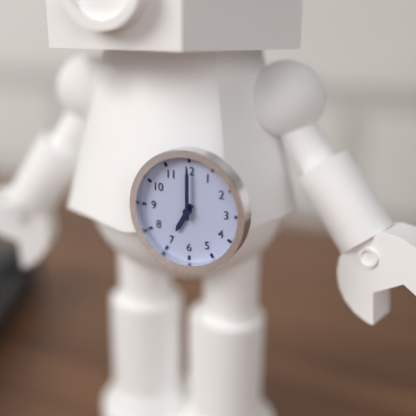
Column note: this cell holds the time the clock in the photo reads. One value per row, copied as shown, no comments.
7:00
